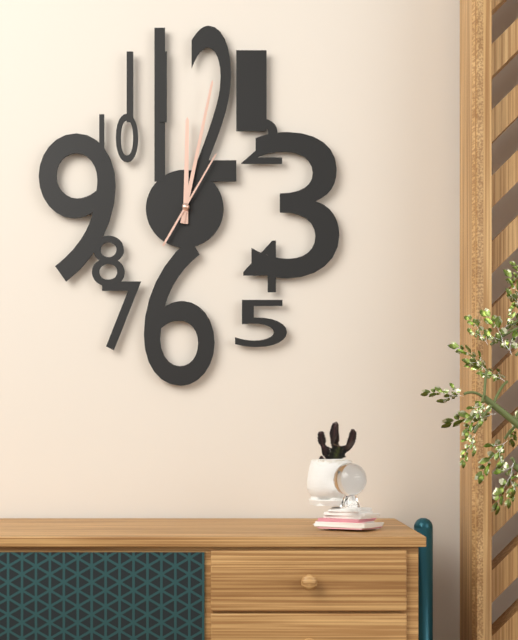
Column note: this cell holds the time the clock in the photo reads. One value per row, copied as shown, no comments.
12:02:05
